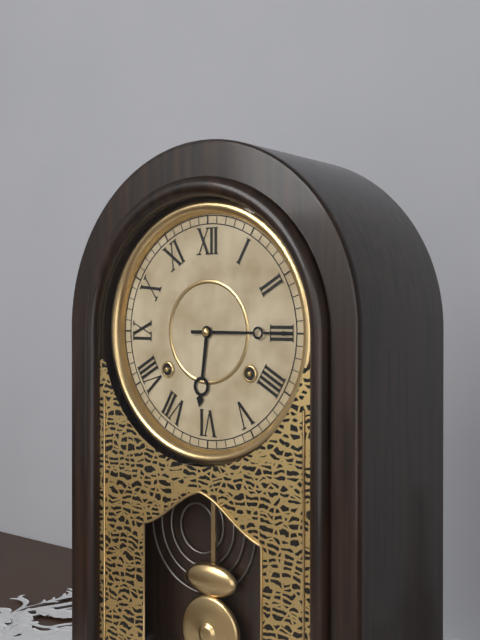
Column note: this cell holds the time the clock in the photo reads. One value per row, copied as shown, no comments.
6:15
